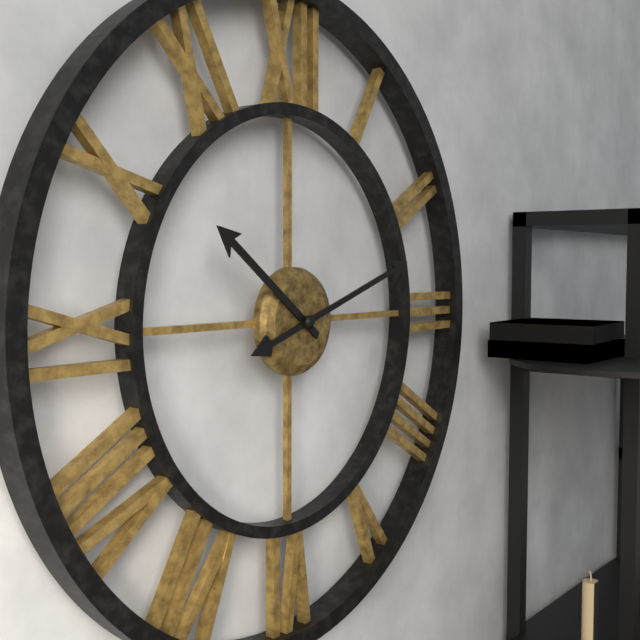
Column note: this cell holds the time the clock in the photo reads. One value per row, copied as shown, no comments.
10:12
